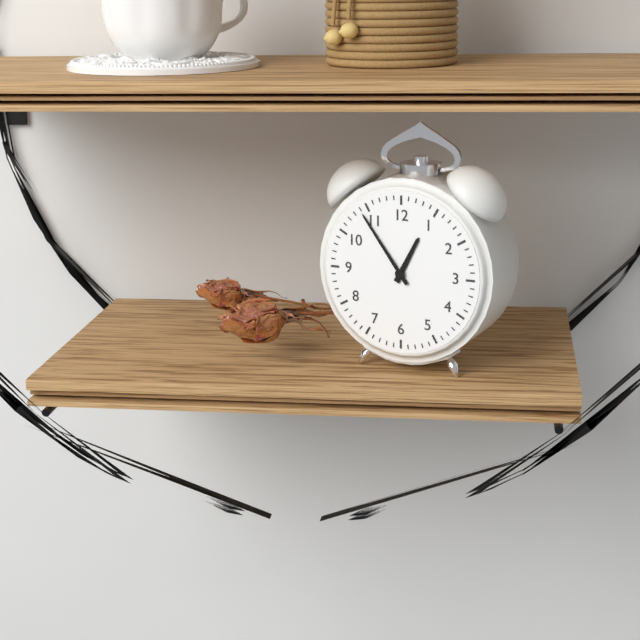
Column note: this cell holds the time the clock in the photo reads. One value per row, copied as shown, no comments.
12:54
